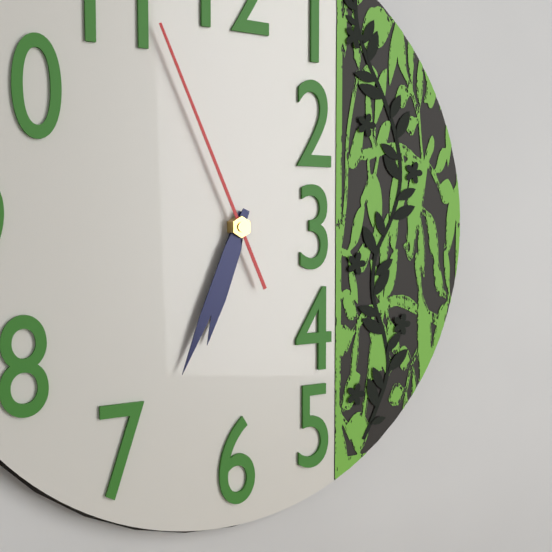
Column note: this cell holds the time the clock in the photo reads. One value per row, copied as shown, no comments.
6:34:56
